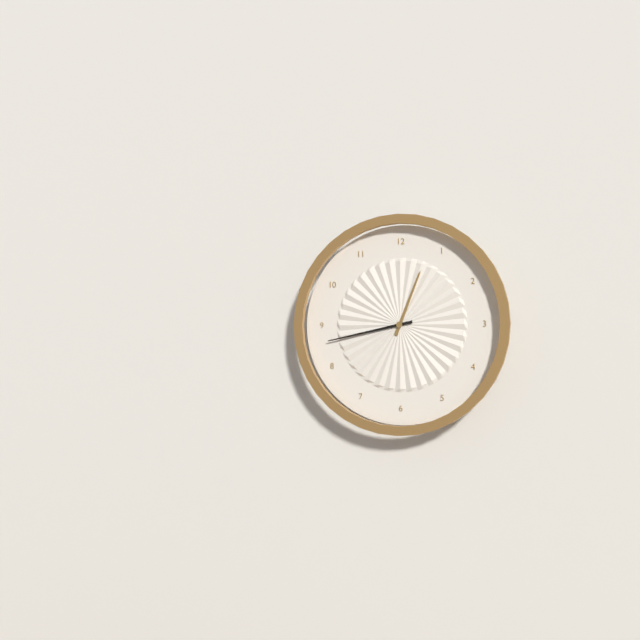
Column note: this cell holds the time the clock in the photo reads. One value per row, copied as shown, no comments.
12:43
